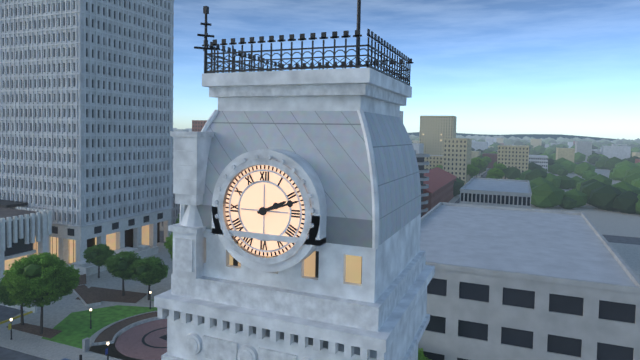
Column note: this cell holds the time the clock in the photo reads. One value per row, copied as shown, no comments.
2:12
